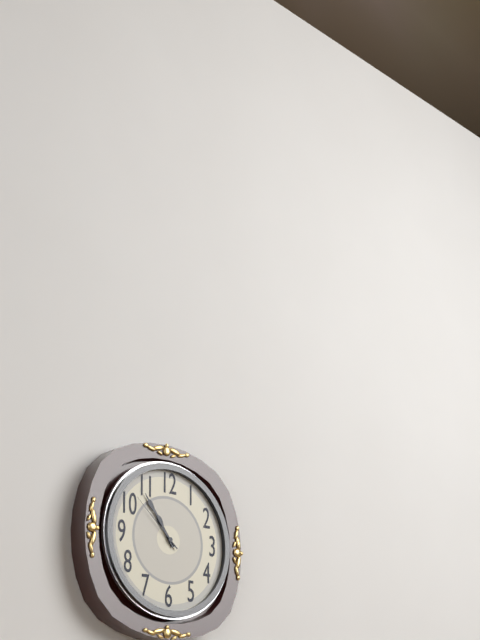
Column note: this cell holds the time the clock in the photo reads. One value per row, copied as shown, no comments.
10:54:52
